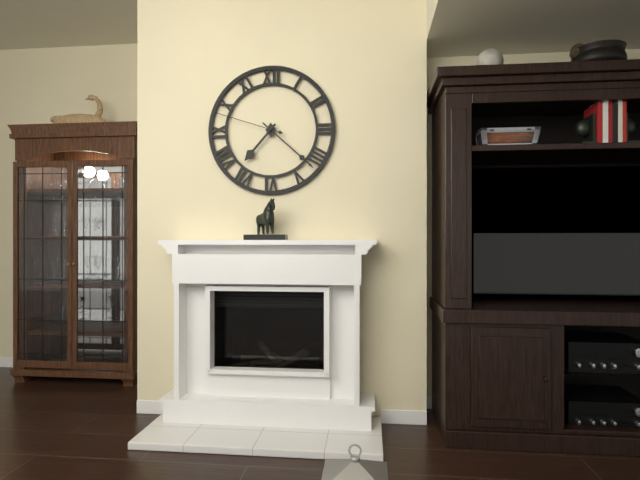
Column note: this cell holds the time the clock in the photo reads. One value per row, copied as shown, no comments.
7:22:48
